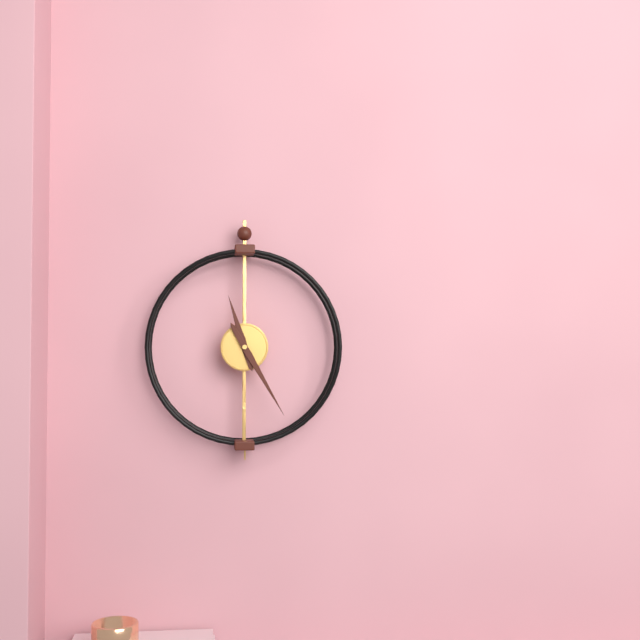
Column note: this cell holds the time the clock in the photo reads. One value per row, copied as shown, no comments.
11:25
